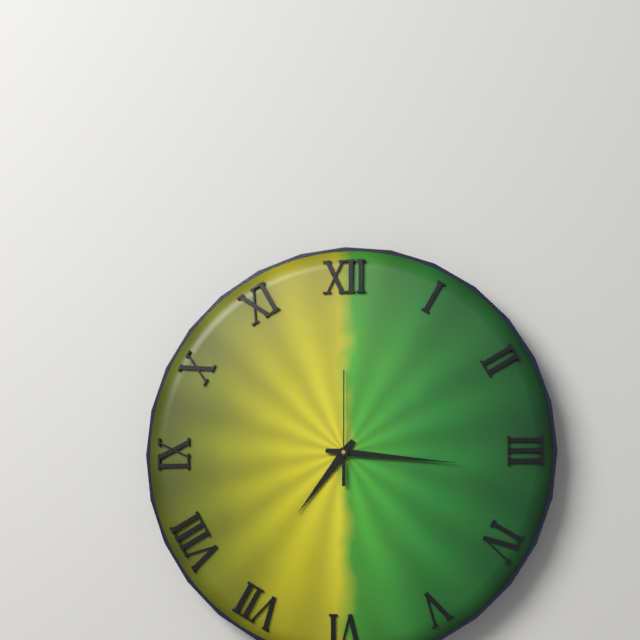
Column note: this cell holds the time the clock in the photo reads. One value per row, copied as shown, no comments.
7:16:00
